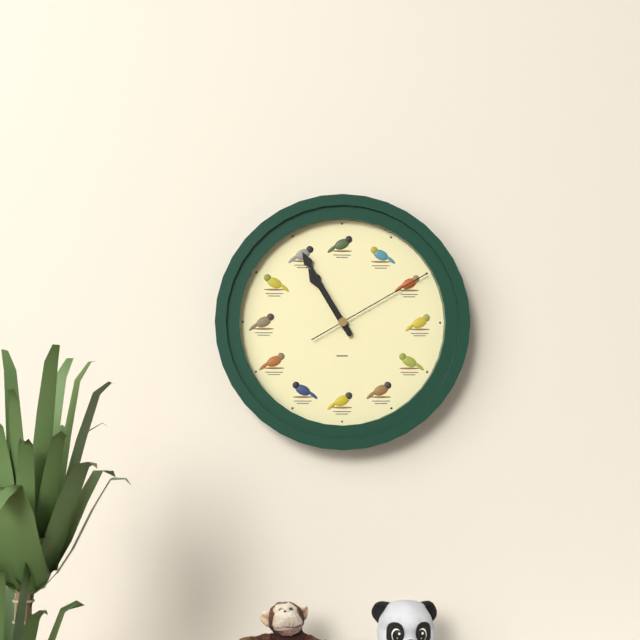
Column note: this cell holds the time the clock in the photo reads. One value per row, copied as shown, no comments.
10:55:10
